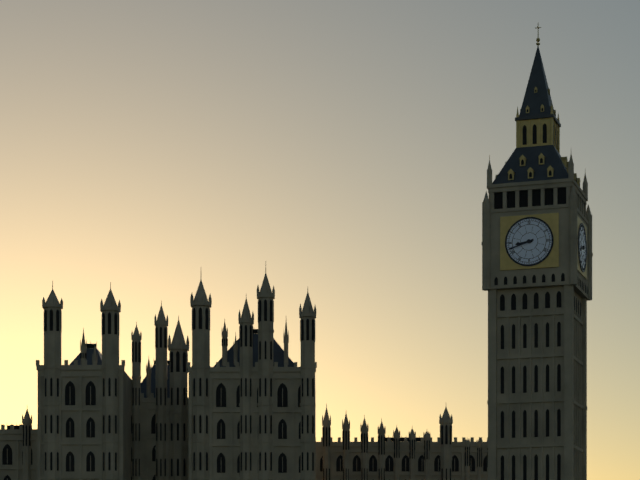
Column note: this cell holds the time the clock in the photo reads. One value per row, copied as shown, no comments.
8:42
